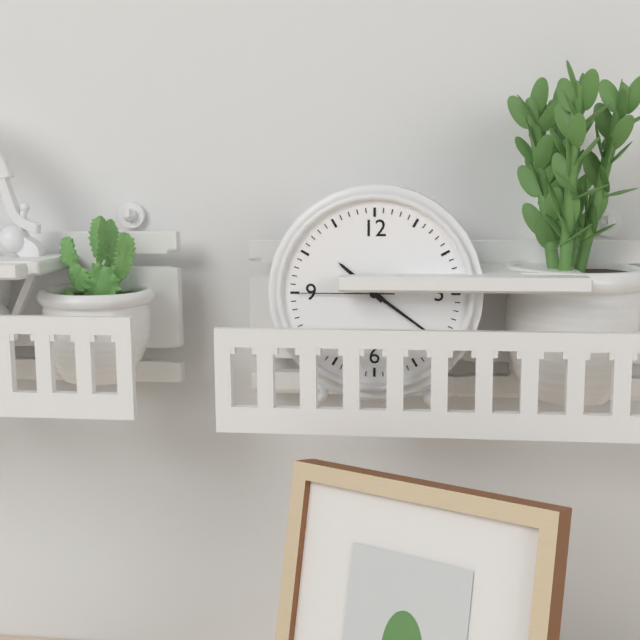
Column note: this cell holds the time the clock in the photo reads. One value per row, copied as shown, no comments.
10:21:45
